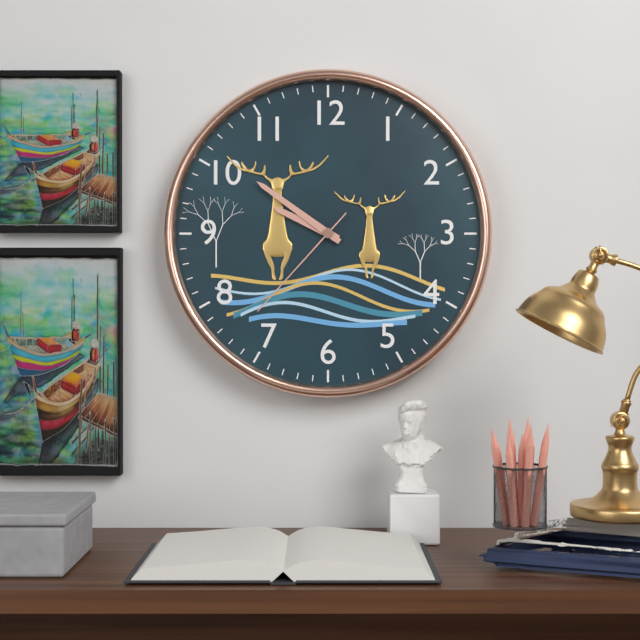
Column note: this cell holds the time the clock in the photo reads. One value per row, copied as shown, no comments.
9:51:37
